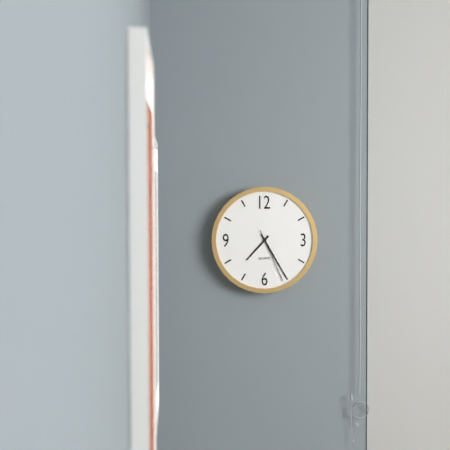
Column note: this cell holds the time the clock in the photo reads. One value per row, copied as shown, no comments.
7:25:26
